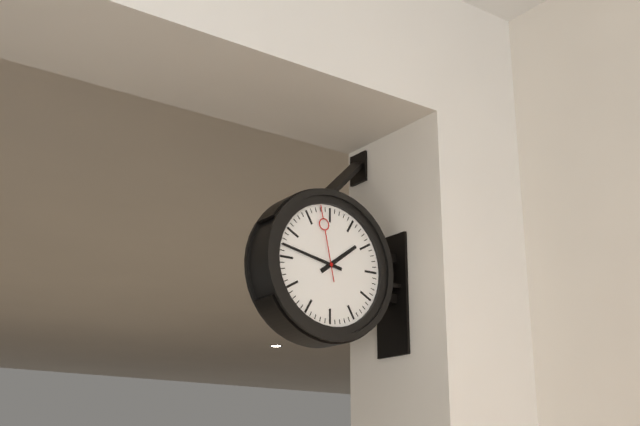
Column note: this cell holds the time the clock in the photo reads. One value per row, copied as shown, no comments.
1:47:58
